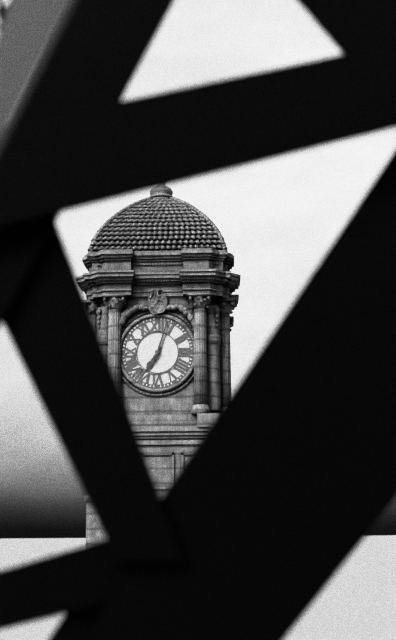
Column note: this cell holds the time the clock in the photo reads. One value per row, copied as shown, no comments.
7:03
